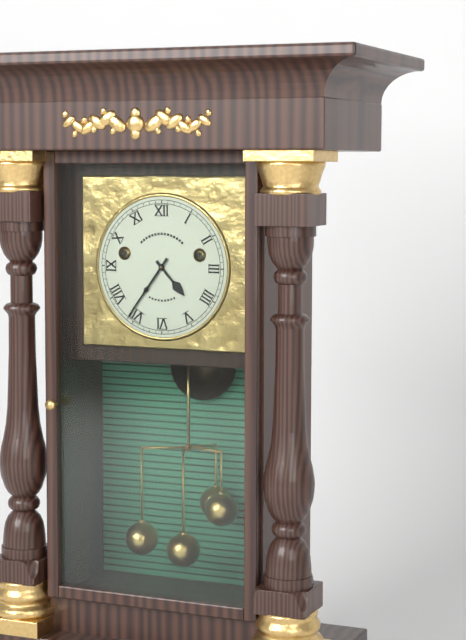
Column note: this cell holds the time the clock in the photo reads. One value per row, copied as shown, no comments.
4:36
